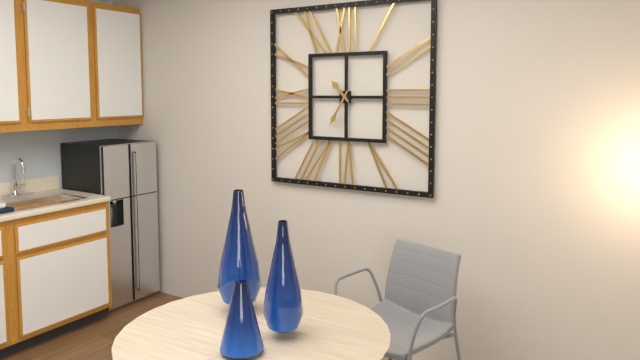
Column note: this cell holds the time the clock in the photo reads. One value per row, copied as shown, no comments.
10:35
